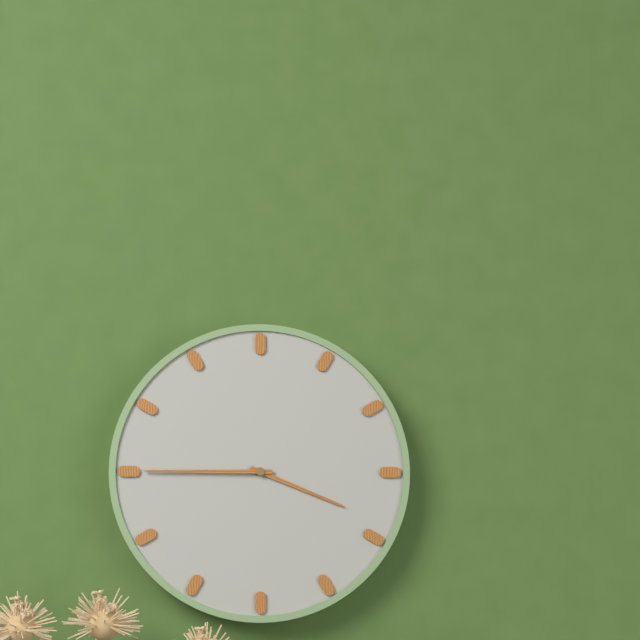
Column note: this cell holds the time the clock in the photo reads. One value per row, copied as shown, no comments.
3:45
